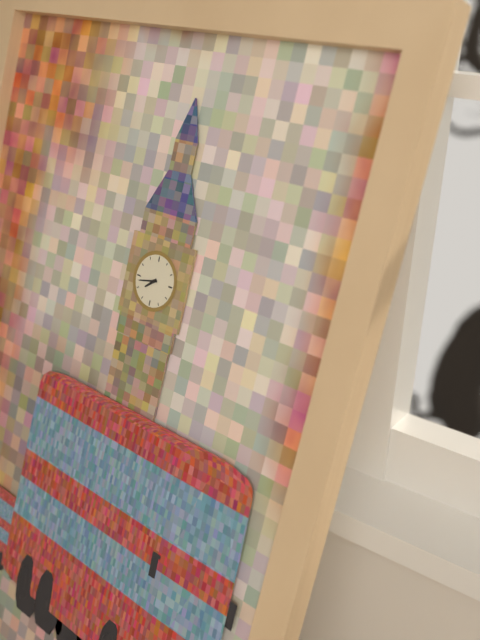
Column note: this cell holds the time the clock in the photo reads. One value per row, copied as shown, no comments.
7:43
